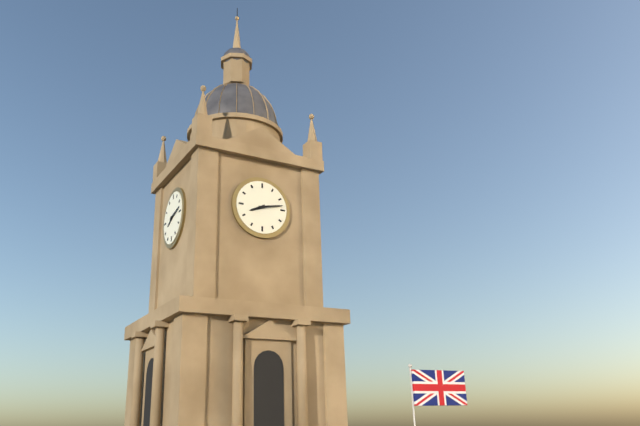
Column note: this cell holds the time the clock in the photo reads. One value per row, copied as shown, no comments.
8:13
